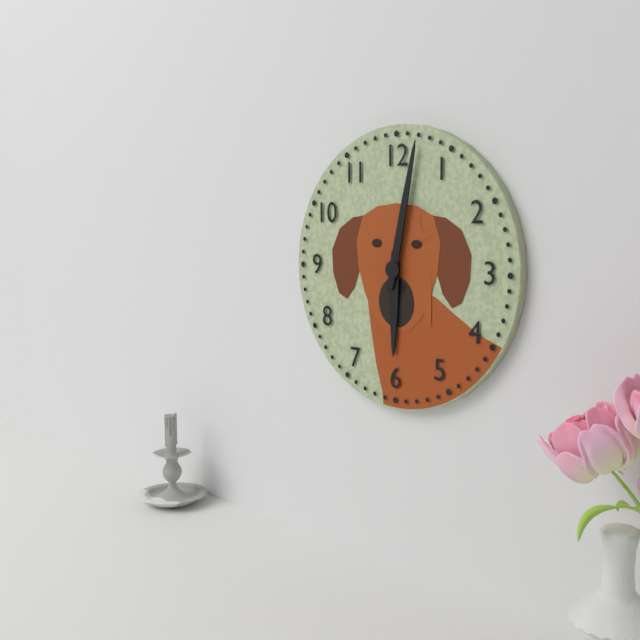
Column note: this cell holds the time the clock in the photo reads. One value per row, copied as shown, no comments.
6:02
